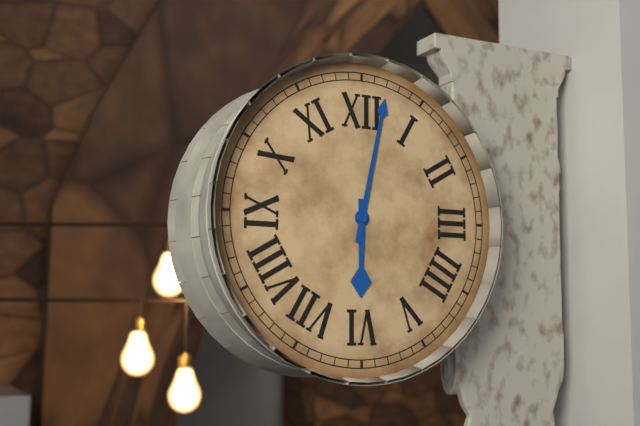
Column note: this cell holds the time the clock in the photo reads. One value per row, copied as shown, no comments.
6:02
